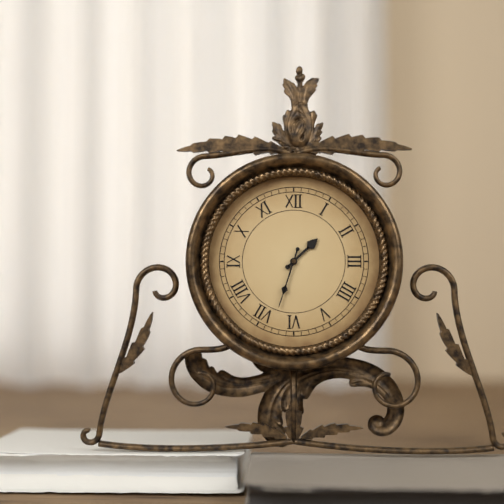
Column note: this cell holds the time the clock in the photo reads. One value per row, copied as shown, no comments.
1:33
